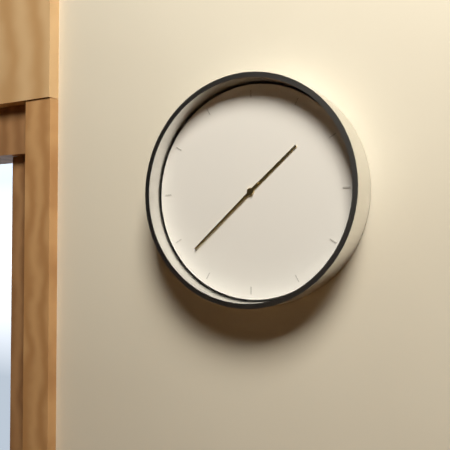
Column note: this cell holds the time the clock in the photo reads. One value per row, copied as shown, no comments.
1:38
